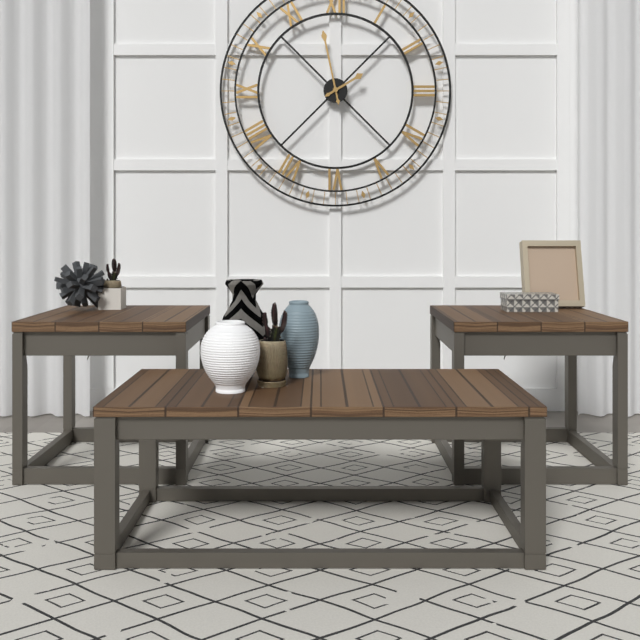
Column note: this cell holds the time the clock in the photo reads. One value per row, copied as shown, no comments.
1:58
